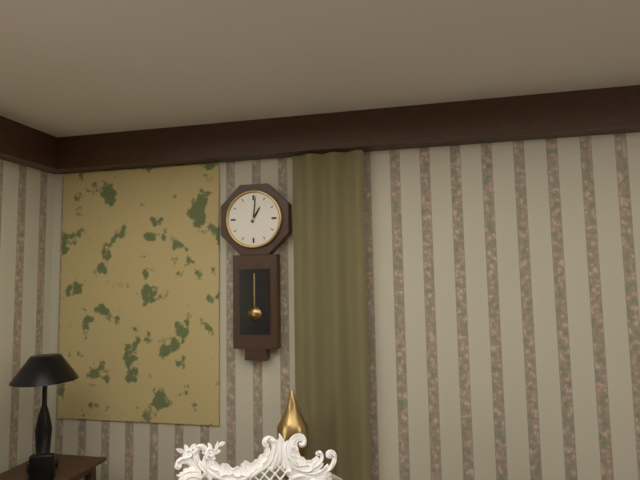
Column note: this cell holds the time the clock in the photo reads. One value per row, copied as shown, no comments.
1:01
